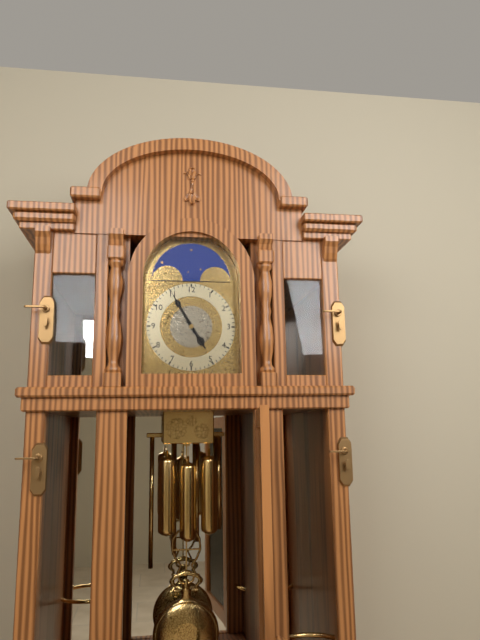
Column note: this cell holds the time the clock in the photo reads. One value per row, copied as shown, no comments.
4:55
